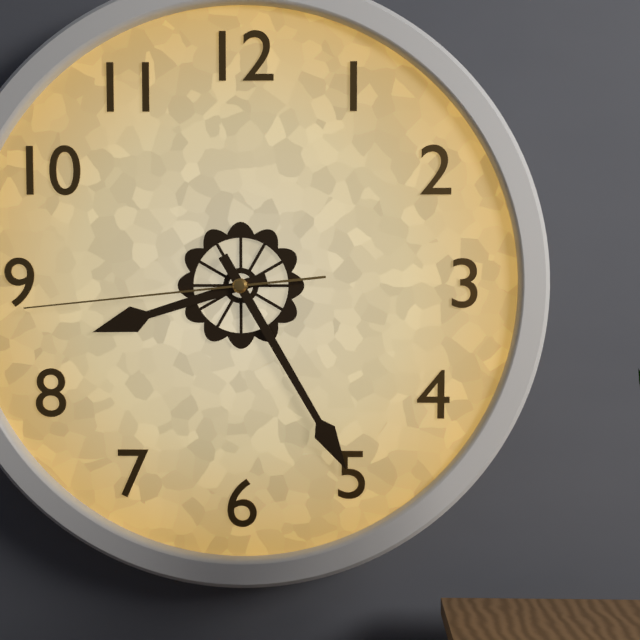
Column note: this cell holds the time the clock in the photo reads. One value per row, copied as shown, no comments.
8:25:44
